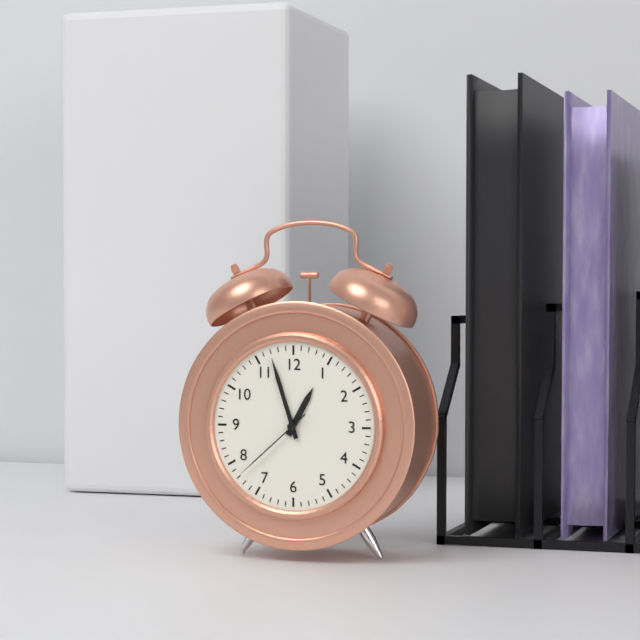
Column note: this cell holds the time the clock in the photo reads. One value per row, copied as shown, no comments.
12:57:38
